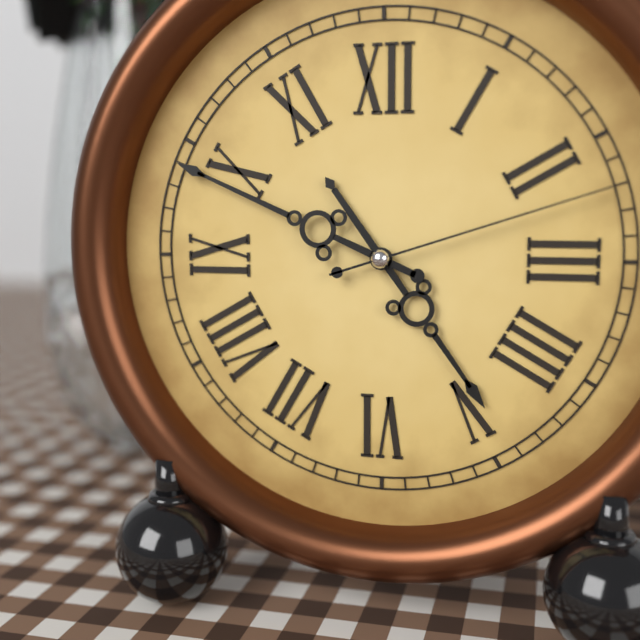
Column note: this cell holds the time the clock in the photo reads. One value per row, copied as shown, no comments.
4:49:12
